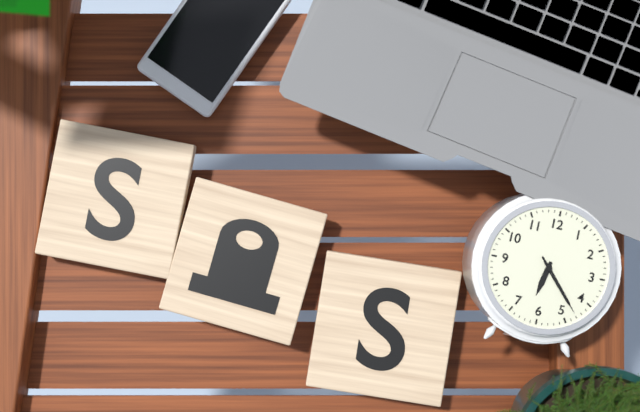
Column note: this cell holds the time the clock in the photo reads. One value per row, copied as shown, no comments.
6:23:23
